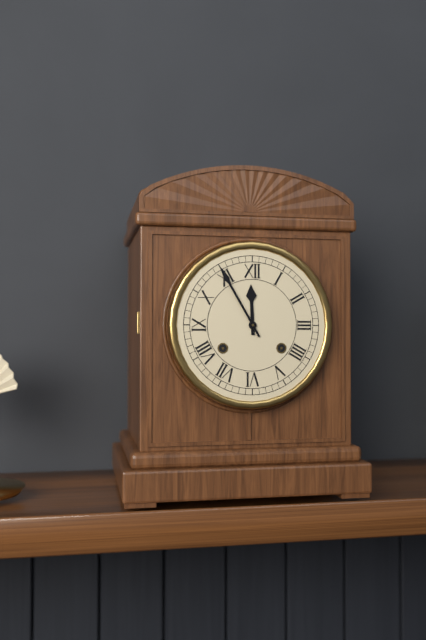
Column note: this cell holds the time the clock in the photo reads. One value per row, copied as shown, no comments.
11:55
